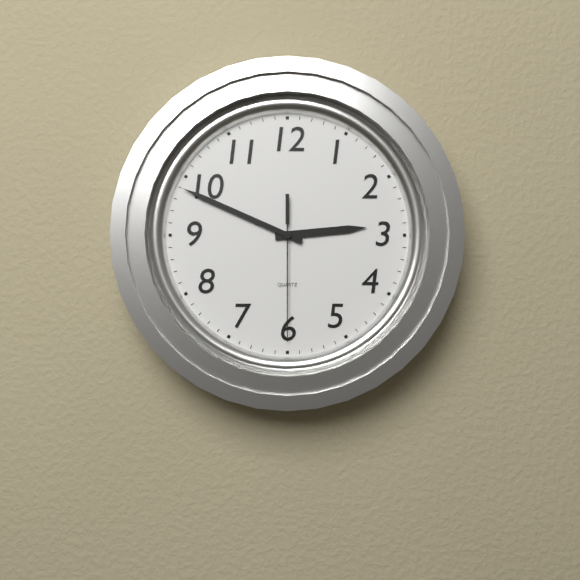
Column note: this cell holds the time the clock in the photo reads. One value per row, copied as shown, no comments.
2:49:30
